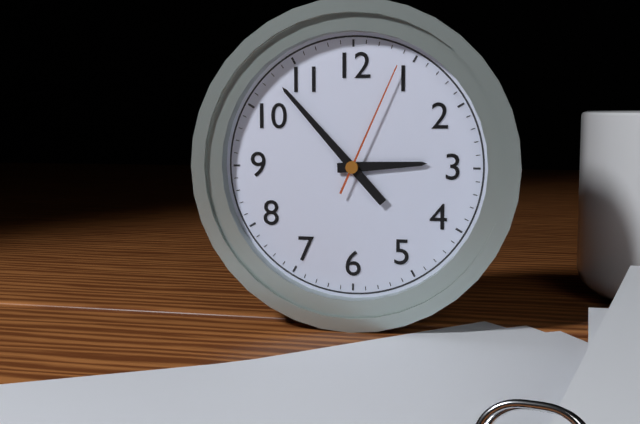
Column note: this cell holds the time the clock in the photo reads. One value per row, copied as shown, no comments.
2:53:04
